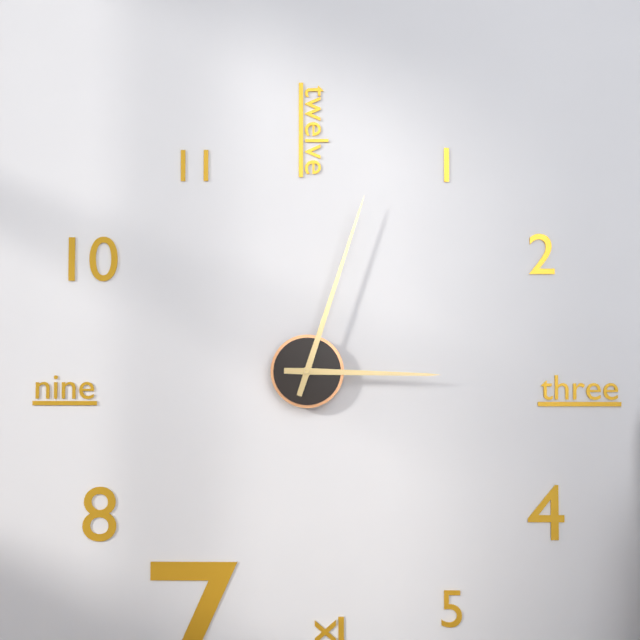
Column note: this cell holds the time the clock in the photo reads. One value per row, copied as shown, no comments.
3:03
